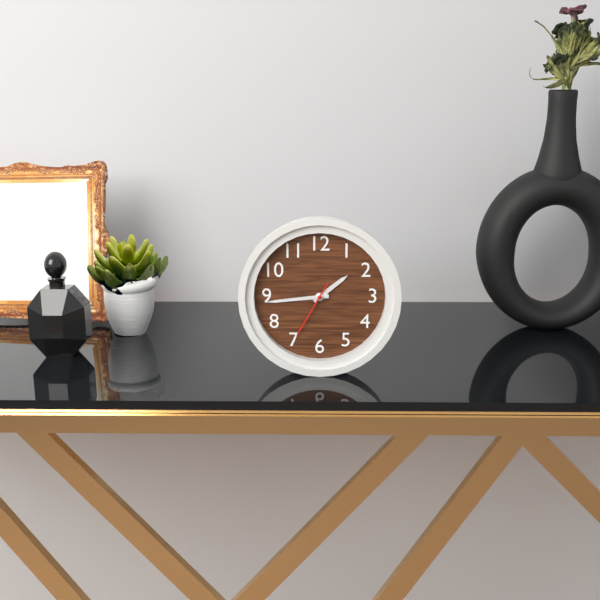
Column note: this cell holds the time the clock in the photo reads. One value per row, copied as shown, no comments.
1:44:35
